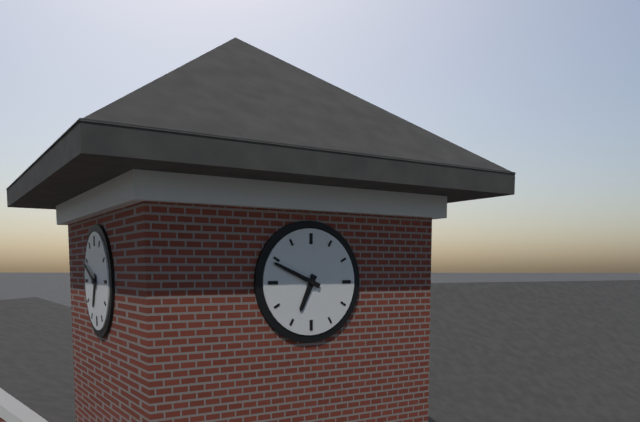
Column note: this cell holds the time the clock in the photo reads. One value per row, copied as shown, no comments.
6:49
